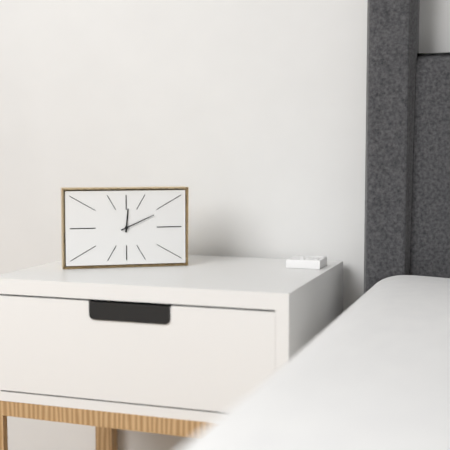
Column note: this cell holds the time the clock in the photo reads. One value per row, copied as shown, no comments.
12:11
